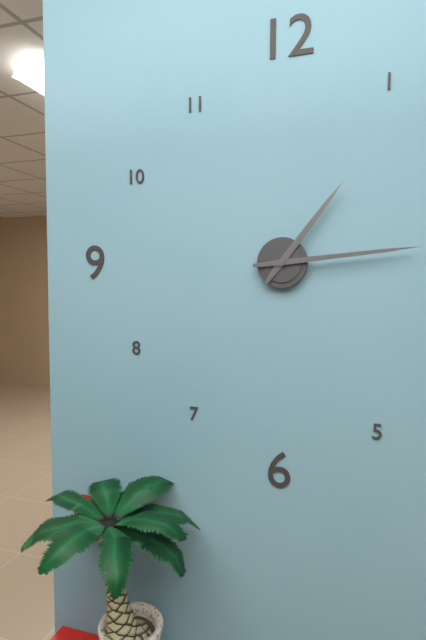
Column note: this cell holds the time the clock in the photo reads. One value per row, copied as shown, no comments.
1:14
